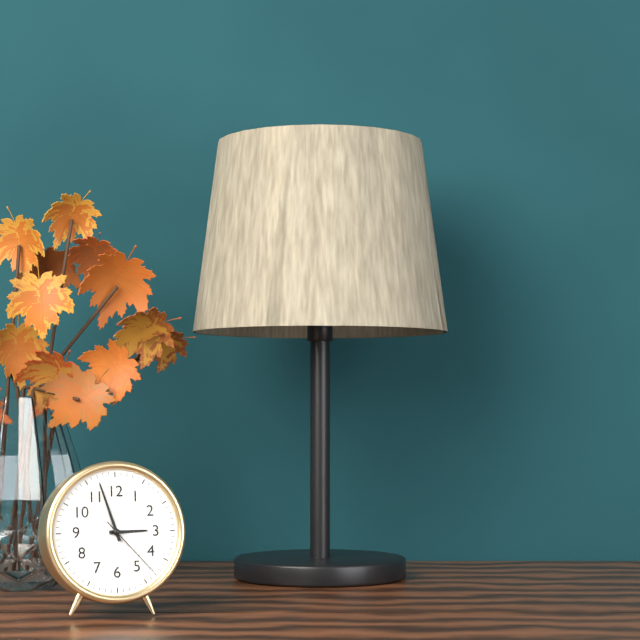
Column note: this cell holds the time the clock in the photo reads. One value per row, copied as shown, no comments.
2:57:23
